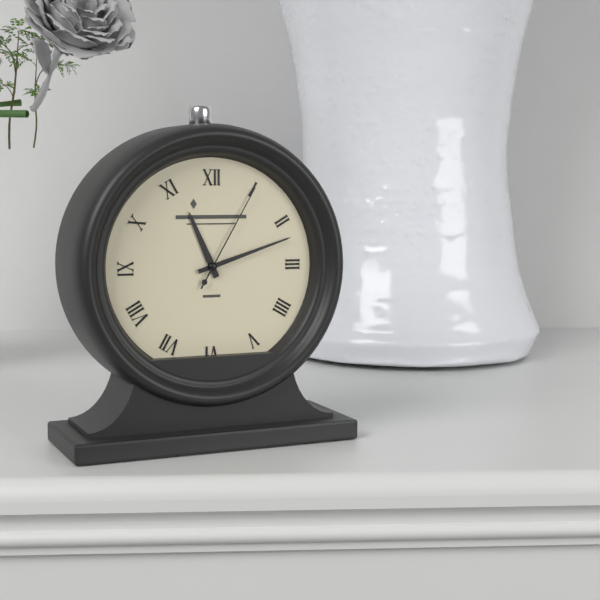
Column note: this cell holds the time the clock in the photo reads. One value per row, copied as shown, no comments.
11:12:05
